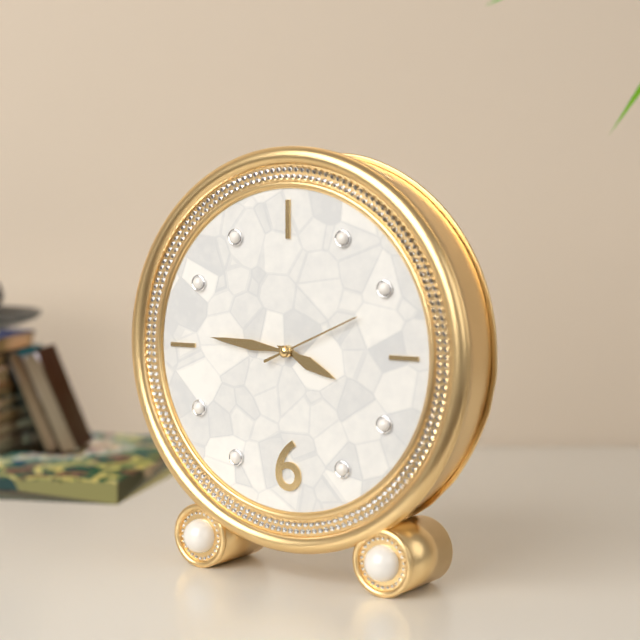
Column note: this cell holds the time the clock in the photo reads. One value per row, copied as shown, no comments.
3:46:11
